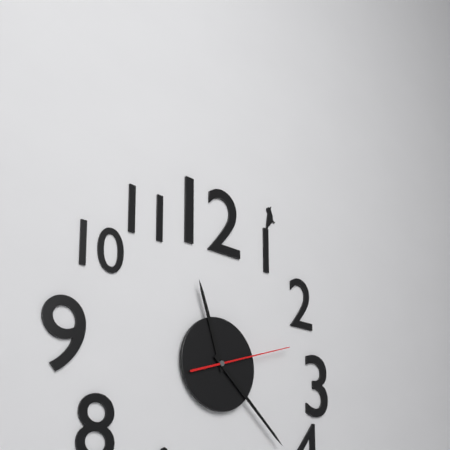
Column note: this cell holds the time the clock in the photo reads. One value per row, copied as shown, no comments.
11:22:12
